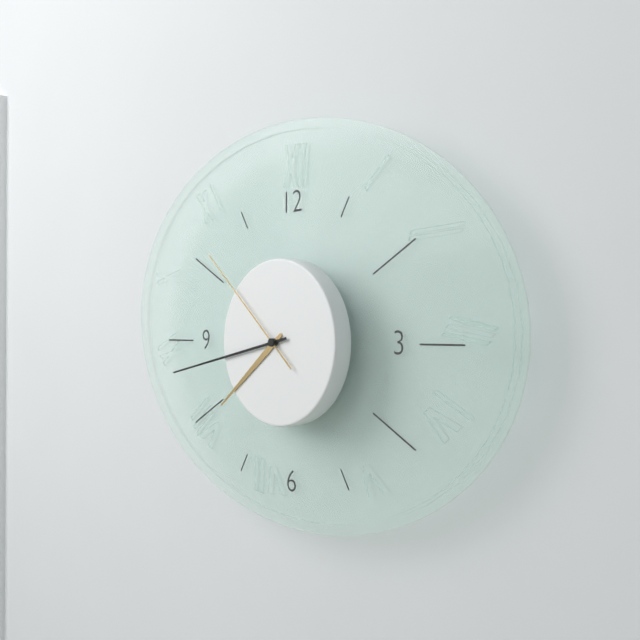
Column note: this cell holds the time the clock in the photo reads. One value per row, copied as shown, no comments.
7:43:52
